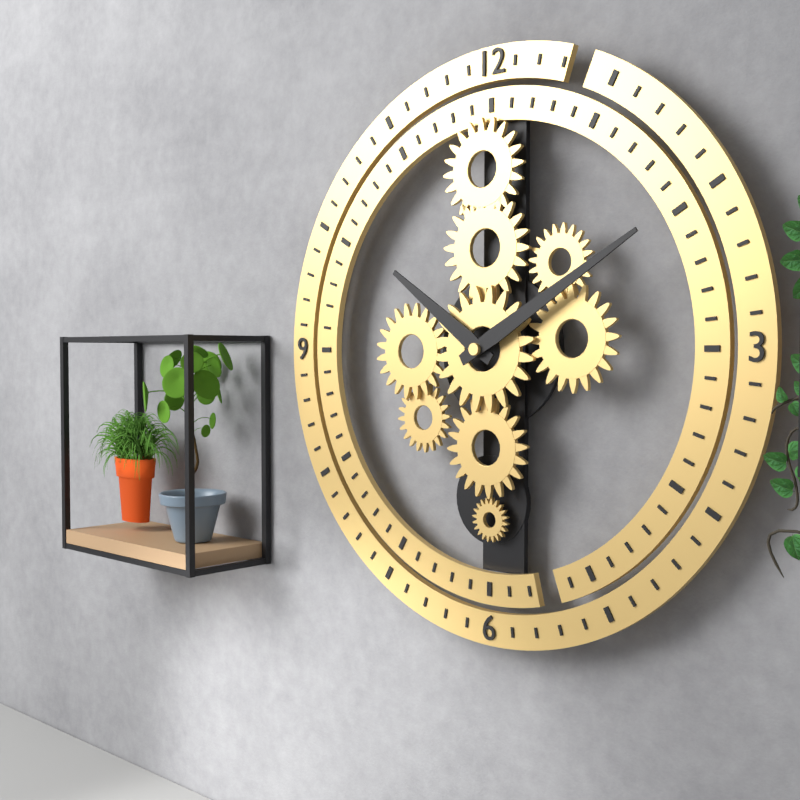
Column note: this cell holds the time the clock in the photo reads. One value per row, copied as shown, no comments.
10:10
